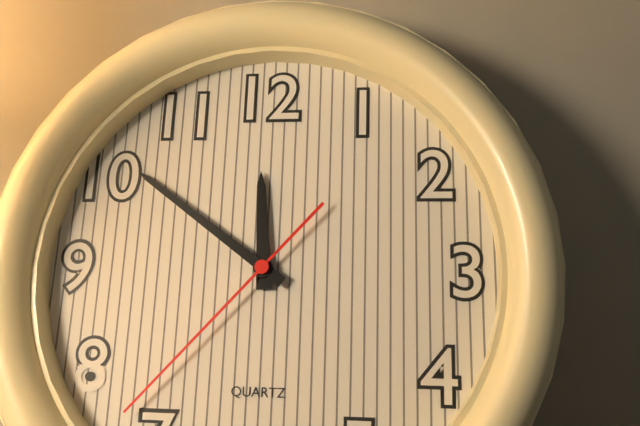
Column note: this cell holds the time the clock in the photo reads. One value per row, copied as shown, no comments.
11:51:37
